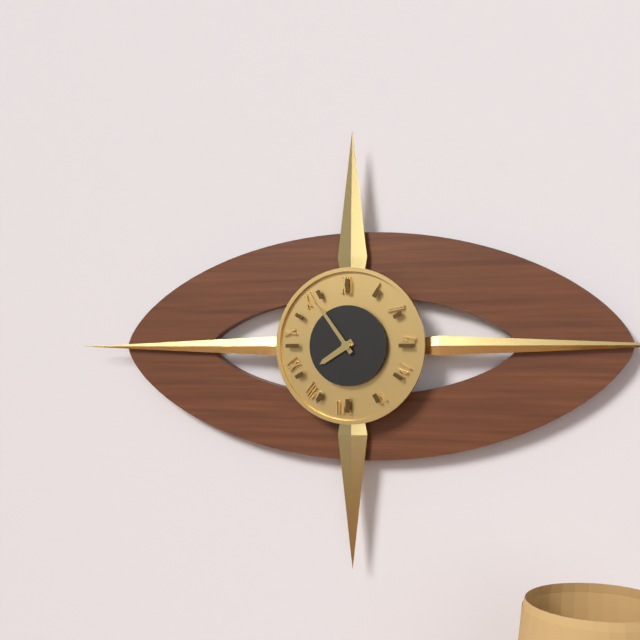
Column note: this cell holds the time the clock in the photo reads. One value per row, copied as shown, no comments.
7:54
